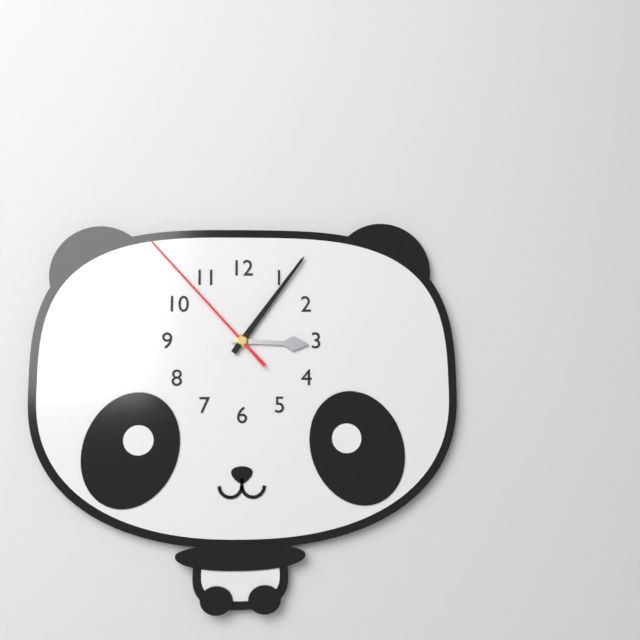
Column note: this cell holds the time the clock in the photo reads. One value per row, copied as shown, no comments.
3:06:53
